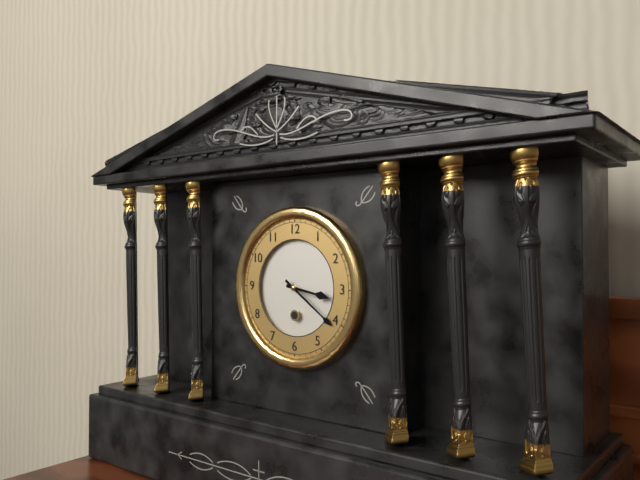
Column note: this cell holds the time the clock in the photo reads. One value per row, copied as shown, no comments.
3:21
